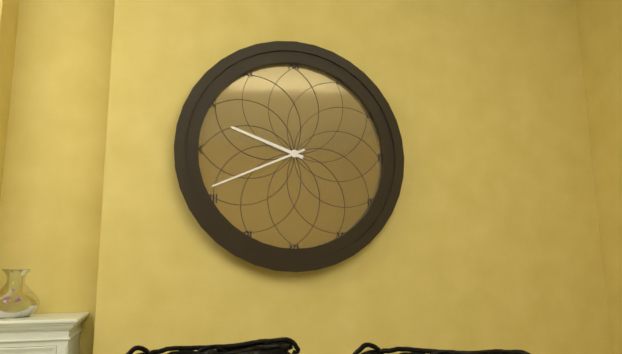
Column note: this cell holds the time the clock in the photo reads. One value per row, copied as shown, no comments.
9:41
